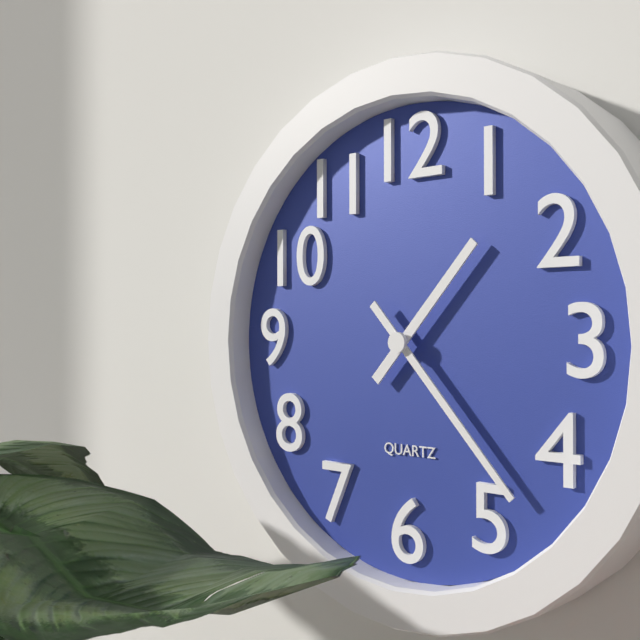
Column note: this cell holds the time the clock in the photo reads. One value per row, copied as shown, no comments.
1:23
